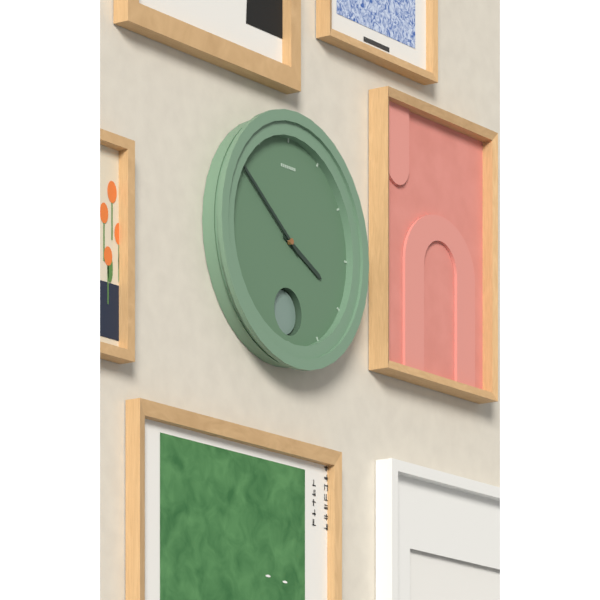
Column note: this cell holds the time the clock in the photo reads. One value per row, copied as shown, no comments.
3:51
